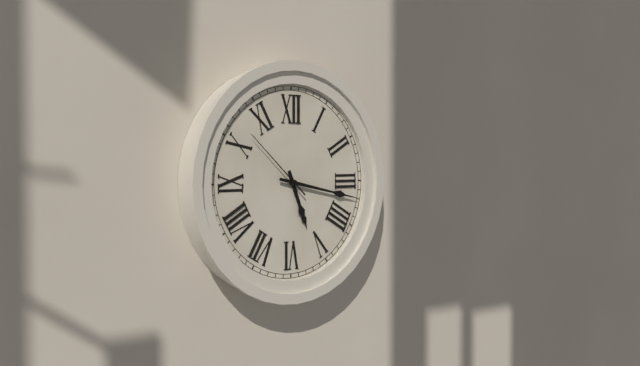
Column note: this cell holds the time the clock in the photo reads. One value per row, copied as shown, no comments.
5:17:52
